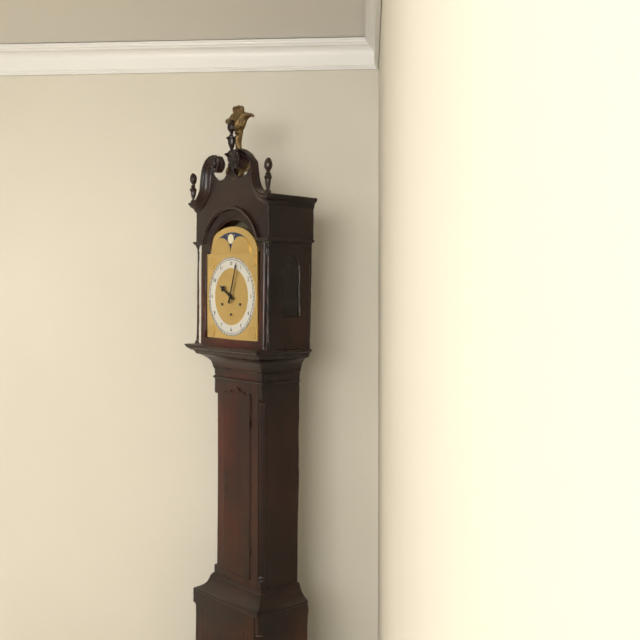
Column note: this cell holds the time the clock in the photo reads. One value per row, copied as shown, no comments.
10:03
